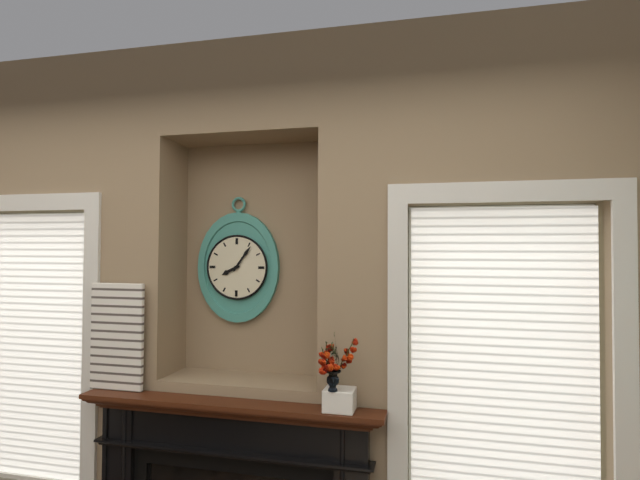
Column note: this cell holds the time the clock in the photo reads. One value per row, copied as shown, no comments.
8:06
